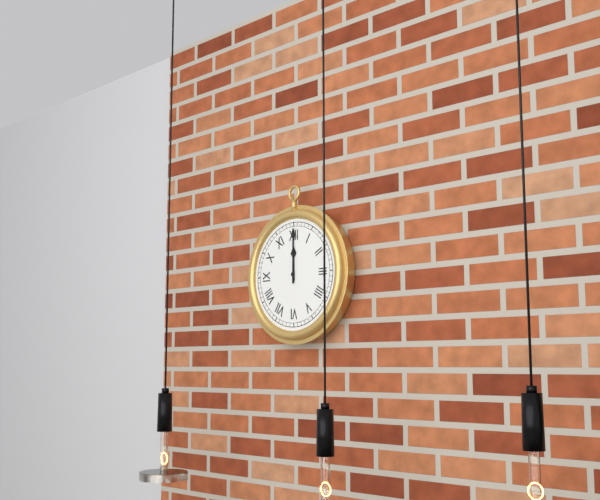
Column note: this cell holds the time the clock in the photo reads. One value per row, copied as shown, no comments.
12:00
